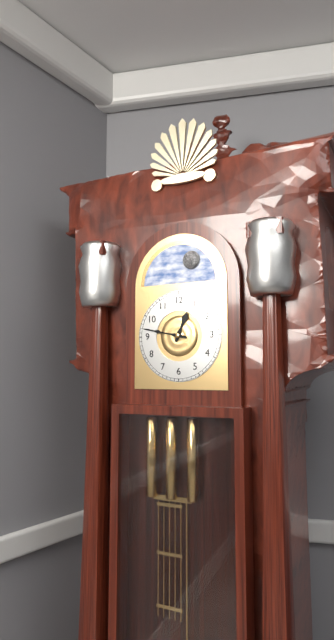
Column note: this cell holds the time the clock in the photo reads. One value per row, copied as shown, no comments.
12:47
